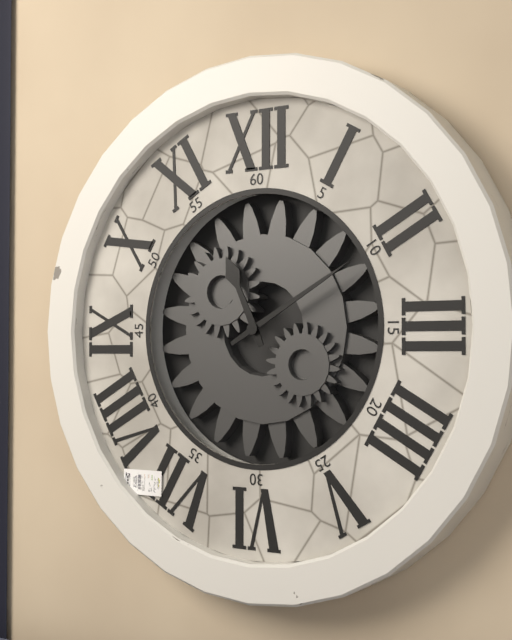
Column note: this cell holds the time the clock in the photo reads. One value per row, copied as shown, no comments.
11:10
